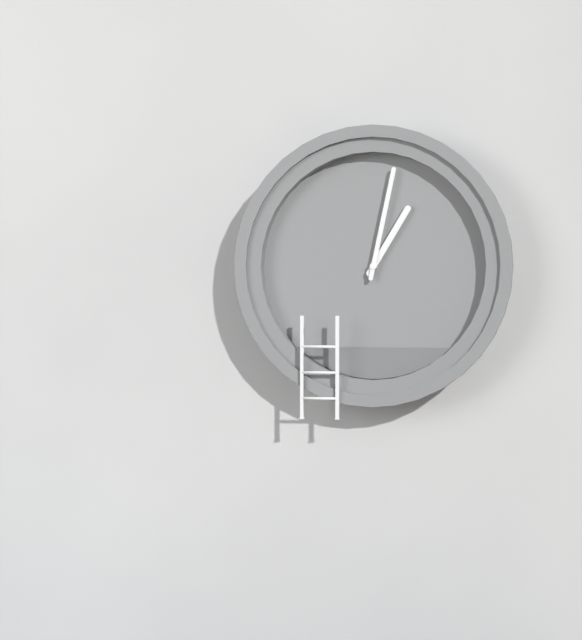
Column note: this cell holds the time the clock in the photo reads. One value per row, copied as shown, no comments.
1:02
